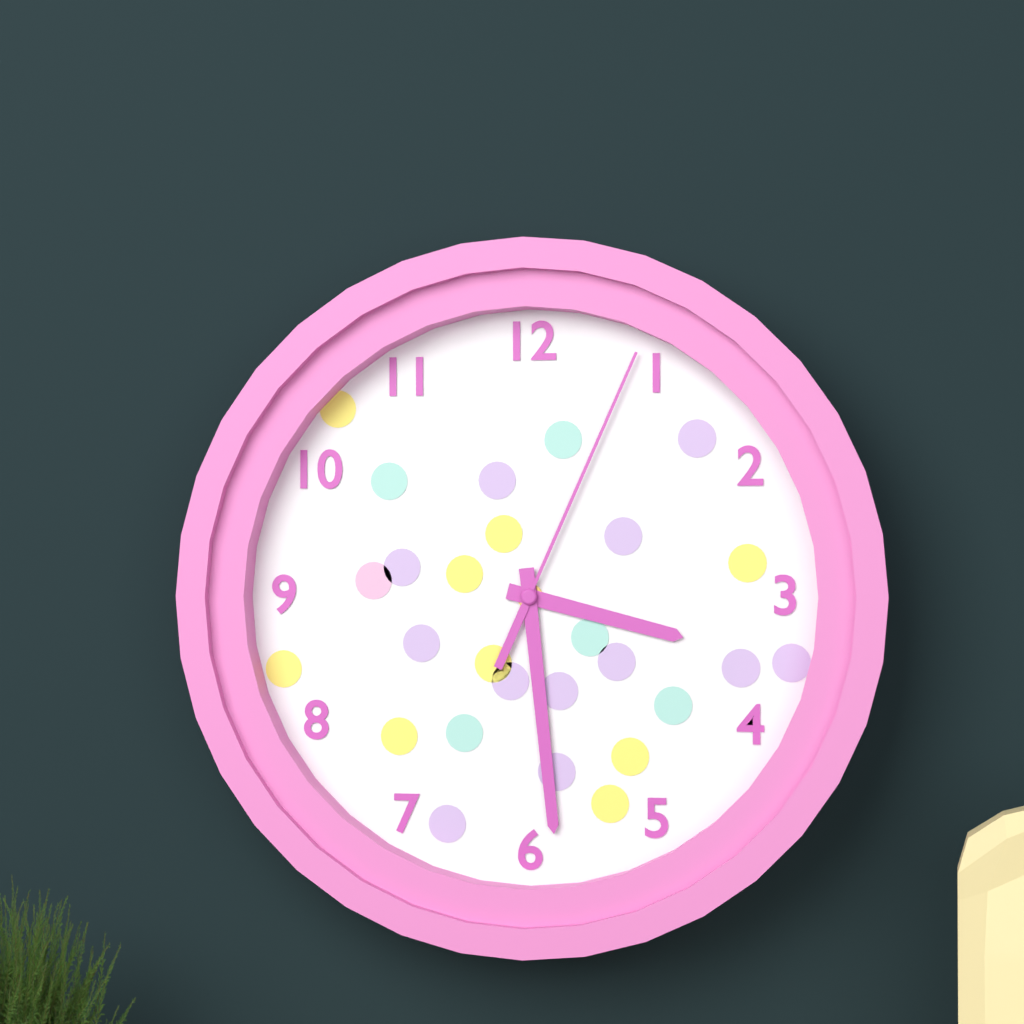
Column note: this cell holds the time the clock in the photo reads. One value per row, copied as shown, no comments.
3:29:04
